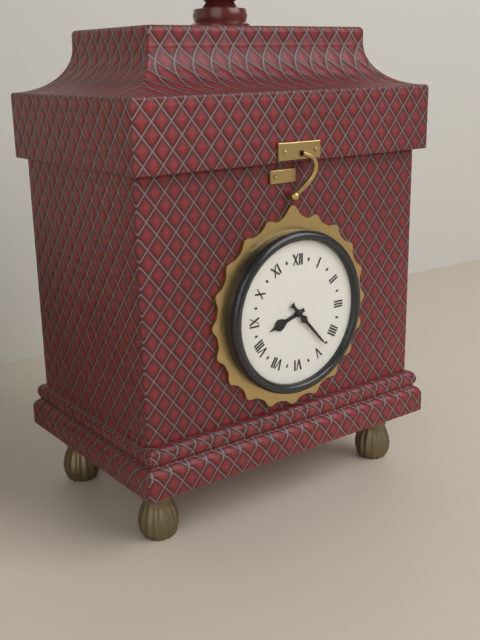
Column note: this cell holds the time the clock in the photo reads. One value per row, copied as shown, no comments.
8:23
